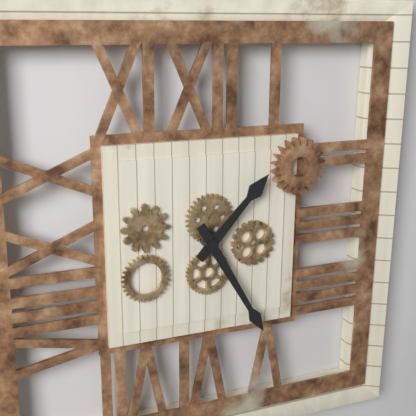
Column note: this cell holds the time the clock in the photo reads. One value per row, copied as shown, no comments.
1:25
